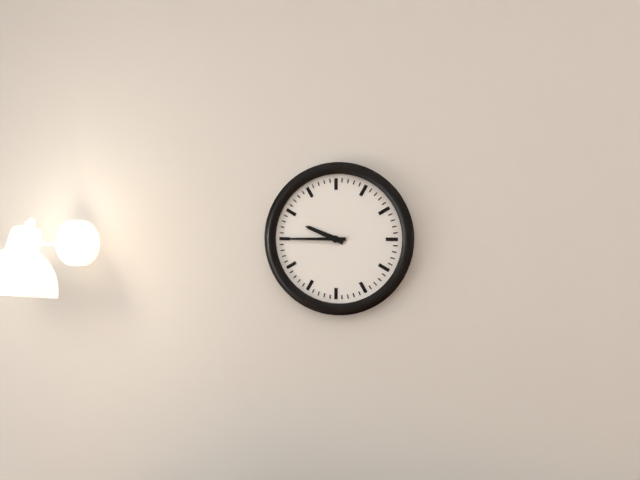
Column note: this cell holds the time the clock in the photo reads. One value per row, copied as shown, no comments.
9:45
